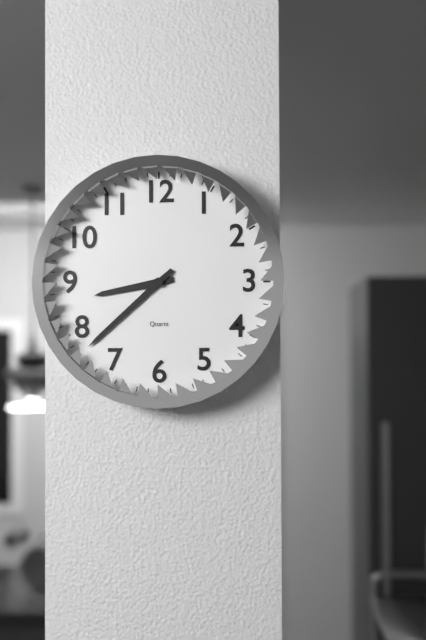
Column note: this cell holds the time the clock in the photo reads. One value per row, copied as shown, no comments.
8:38
